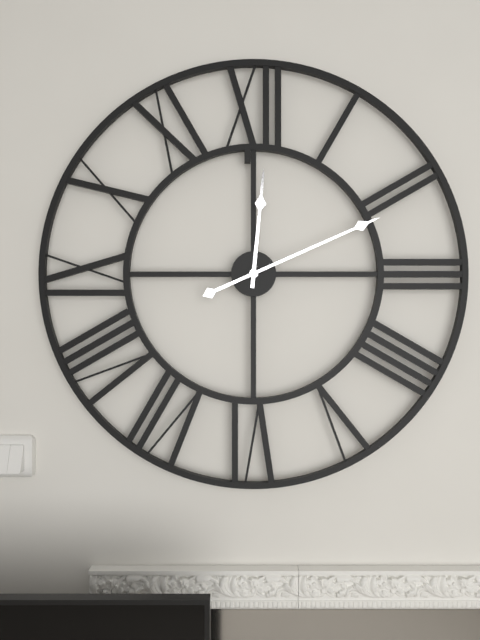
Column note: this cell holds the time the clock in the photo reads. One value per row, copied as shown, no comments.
12:11
